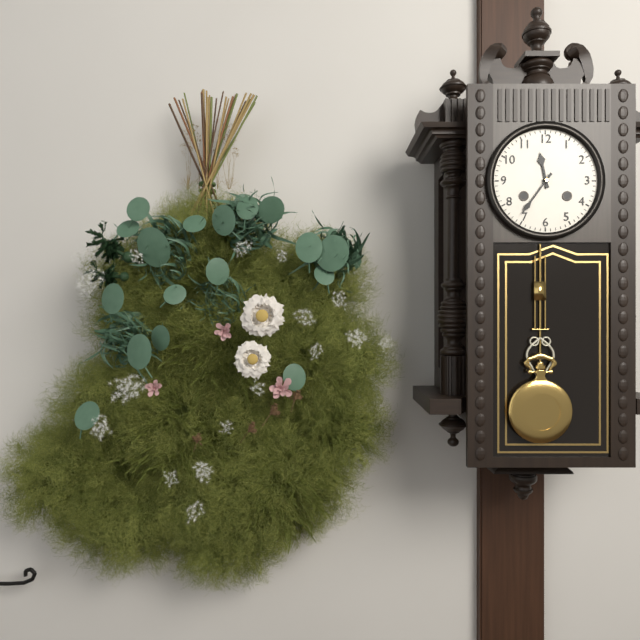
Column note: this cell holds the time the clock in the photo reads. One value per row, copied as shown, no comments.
11:36
